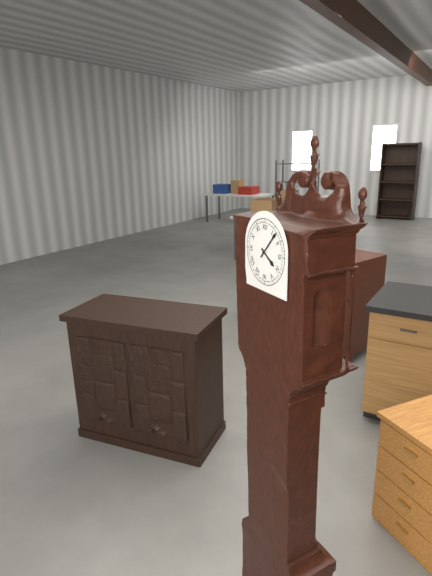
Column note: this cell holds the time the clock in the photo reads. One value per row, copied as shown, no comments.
4:07
